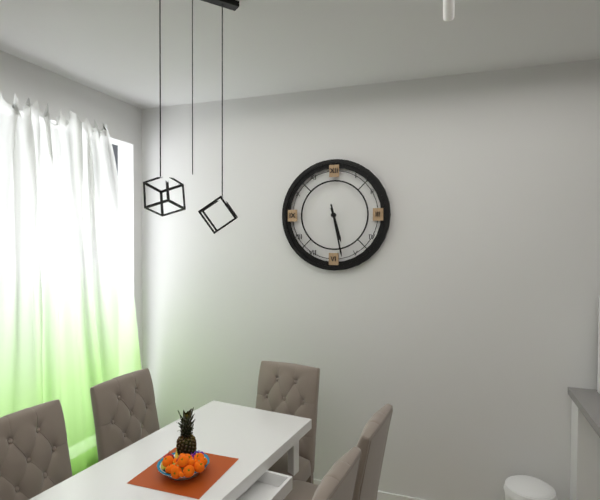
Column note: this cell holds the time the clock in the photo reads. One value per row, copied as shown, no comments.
5:28
